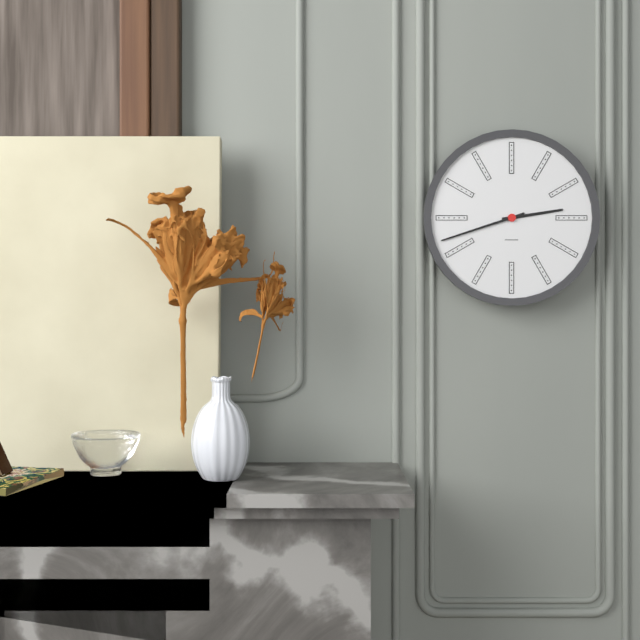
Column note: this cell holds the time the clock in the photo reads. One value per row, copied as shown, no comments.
2:42
